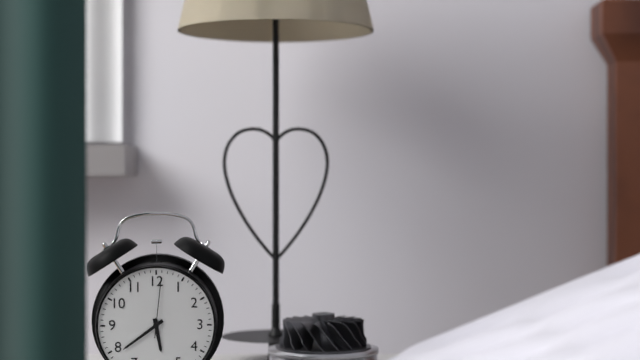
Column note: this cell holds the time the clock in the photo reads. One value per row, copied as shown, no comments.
5:39:01
